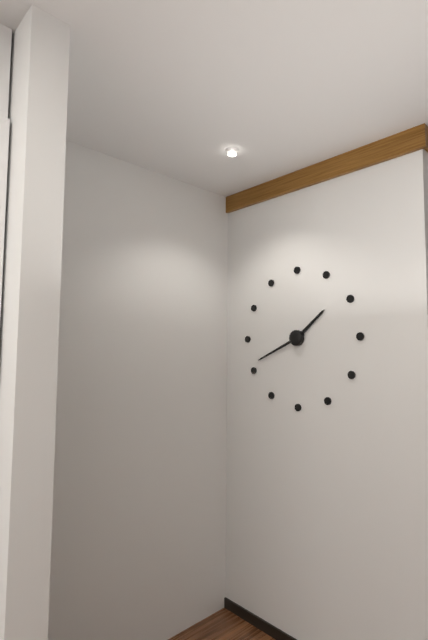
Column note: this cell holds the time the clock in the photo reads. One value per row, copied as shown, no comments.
1:41
